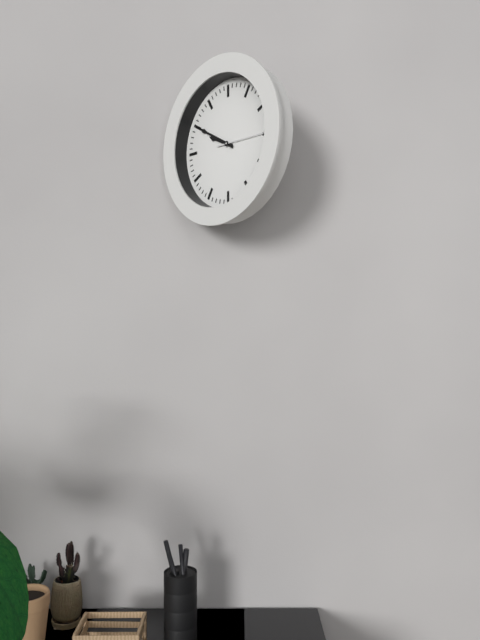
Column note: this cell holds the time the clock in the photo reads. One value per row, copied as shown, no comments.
9:50
